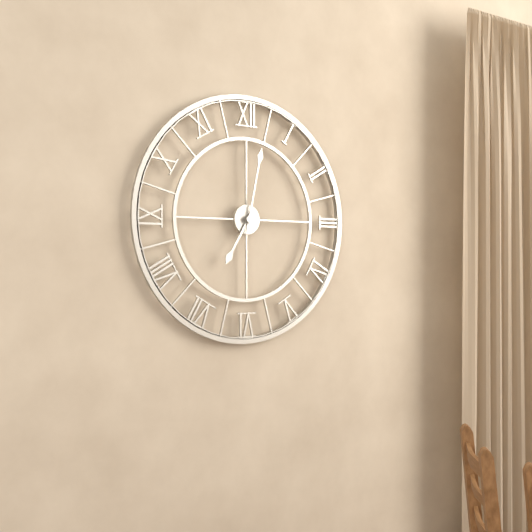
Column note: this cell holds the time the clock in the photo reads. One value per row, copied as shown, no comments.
7:02
